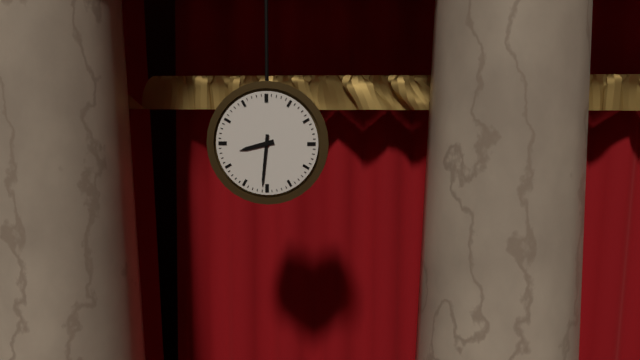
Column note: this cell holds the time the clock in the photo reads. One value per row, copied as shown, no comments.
8:31
